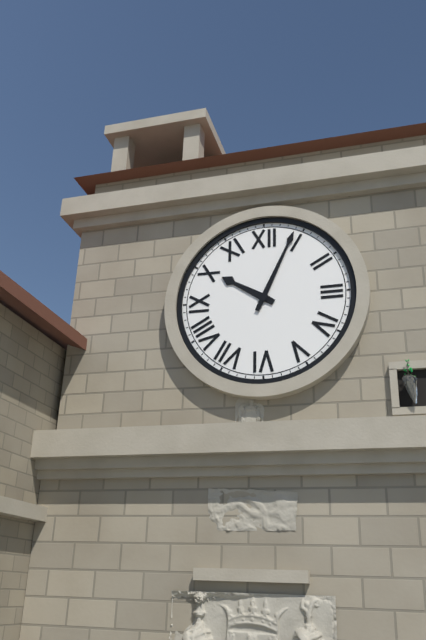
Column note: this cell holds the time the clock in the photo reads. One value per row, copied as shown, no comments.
10:04
